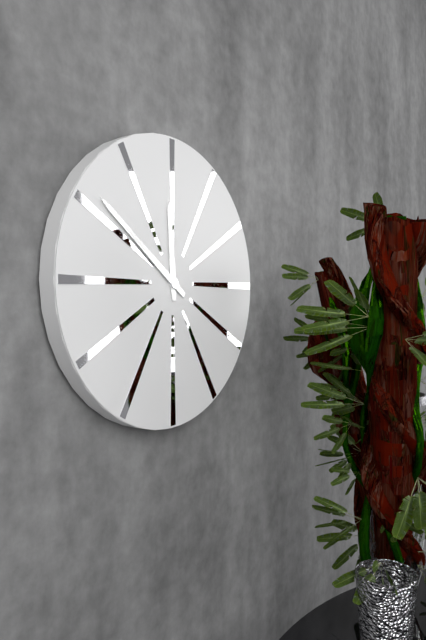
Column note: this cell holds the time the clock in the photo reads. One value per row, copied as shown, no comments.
11:51
